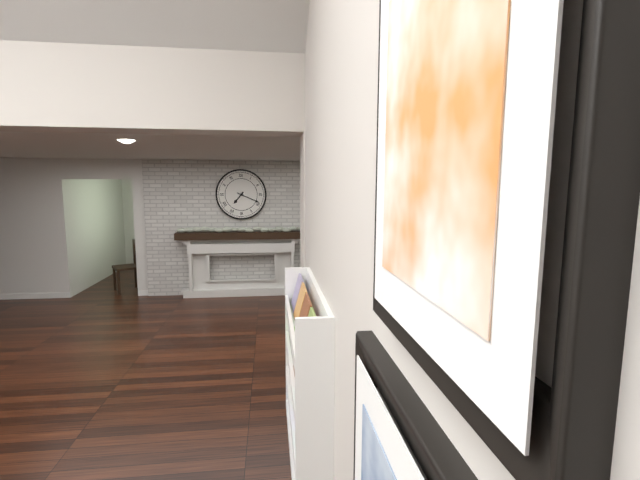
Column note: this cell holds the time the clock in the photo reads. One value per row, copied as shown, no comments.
7:19
